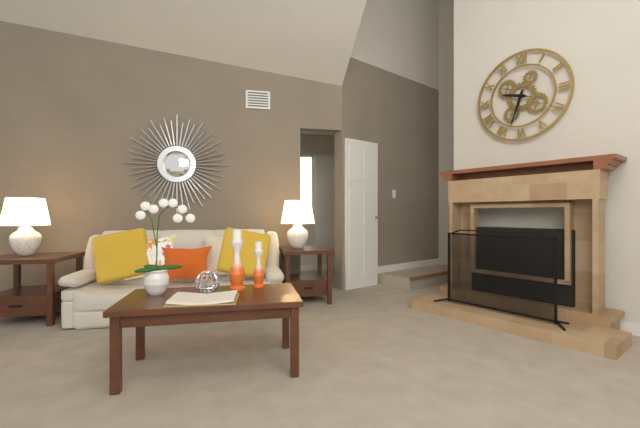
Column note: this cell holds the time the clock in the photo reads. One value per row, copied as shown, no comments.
9:33
